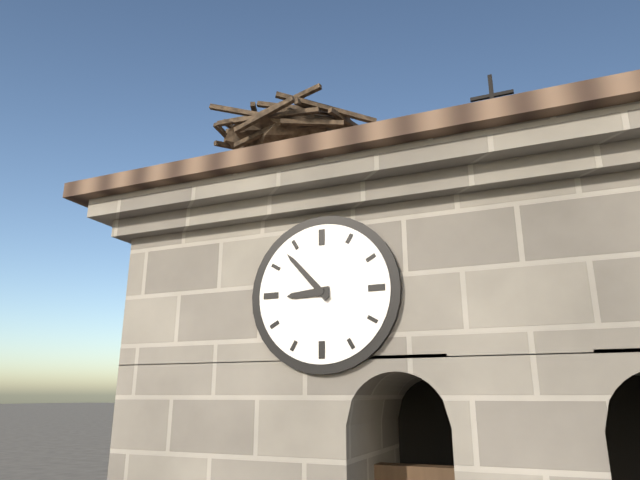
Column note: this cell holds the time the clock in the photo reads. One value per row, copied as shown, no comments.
8:53
